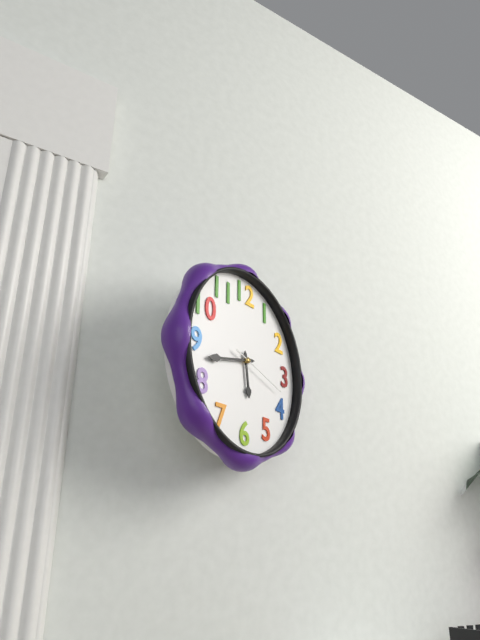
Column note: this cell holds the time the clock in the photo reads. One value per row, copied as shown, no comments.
5:43:18
